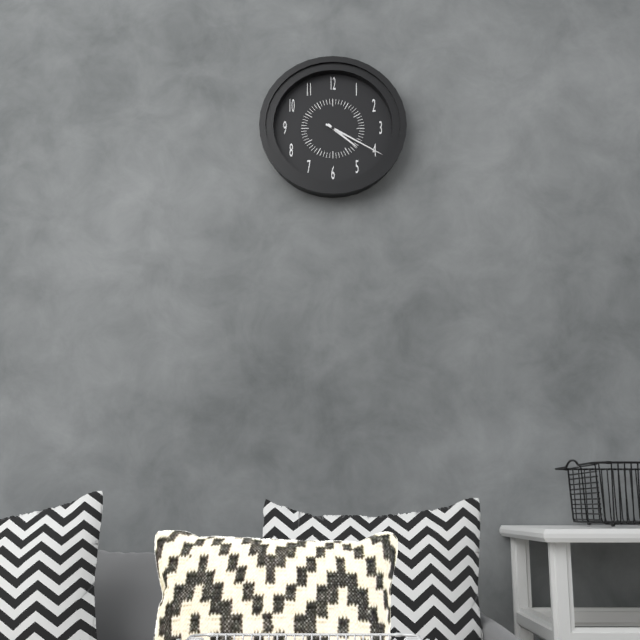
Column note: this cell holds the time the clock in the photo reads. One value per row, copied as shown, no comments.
4:20
